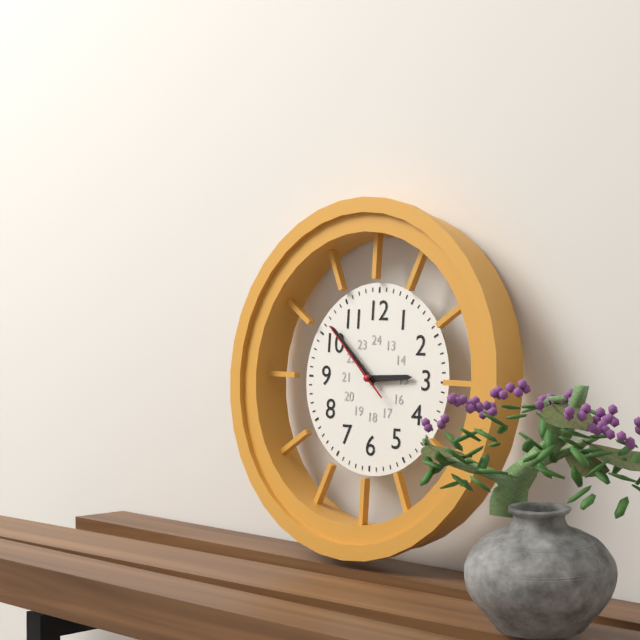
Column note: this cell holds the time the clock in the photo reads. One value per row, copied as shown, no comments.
2:52:52
